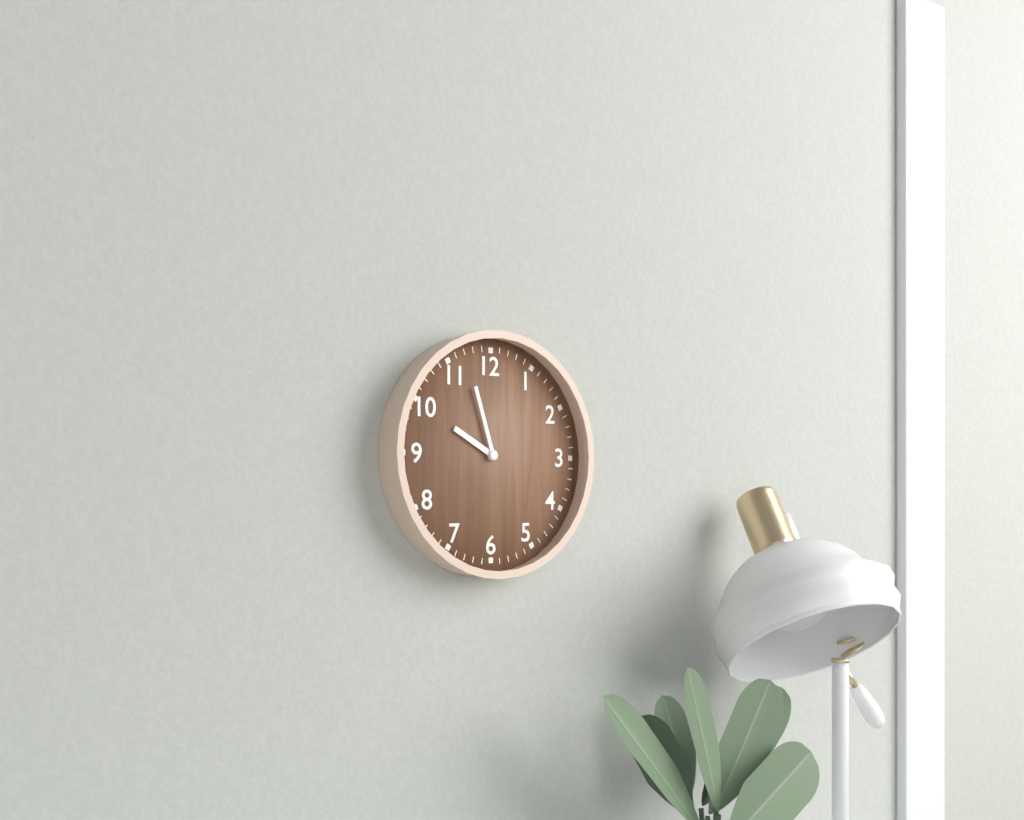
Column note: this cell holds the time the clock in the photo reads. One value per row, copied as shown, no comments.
9:57
